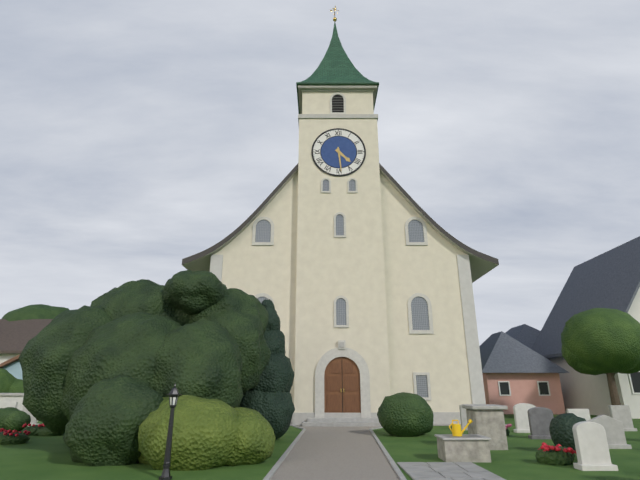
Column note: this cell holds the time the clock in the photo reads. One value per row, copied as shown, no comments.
4:29
